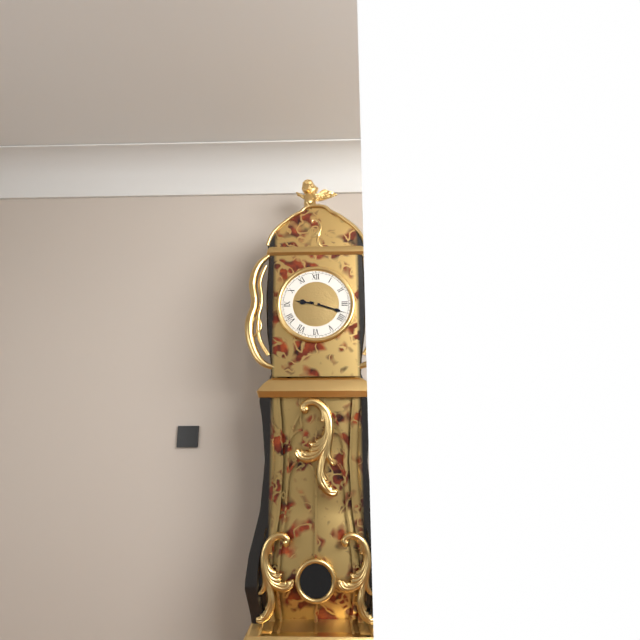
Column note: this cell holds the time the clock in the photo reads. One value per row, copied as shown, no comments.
9:18
